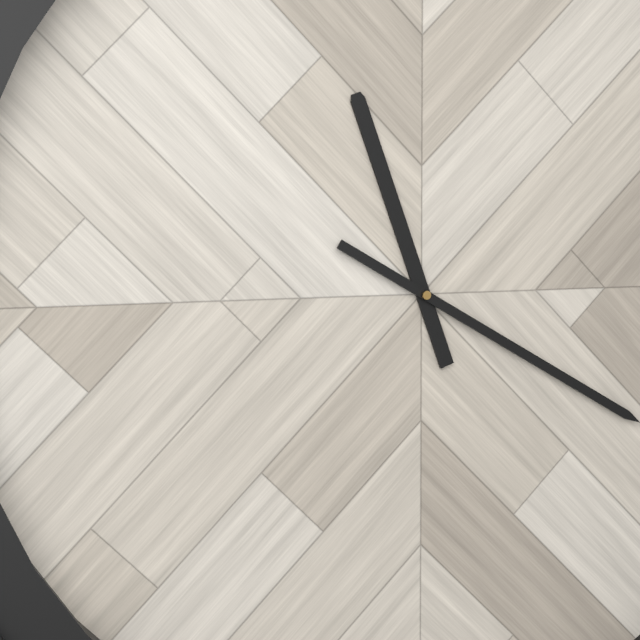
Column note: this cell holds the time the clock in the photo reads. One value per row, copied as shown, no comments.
11:20
